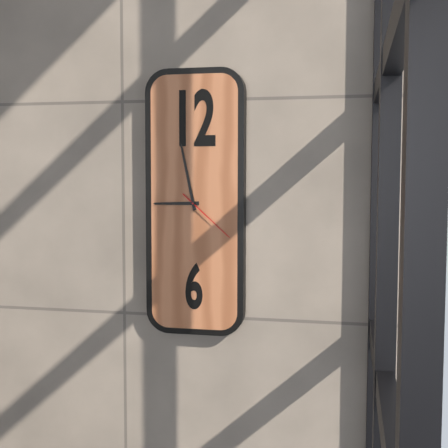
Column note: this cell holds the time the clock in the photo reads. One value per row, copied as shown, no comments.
8:58:22
